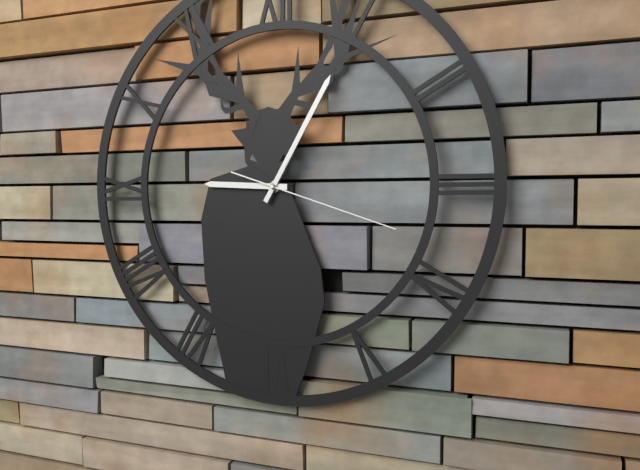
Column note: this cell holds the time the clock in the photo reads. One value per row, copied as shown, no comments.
9:05:18
